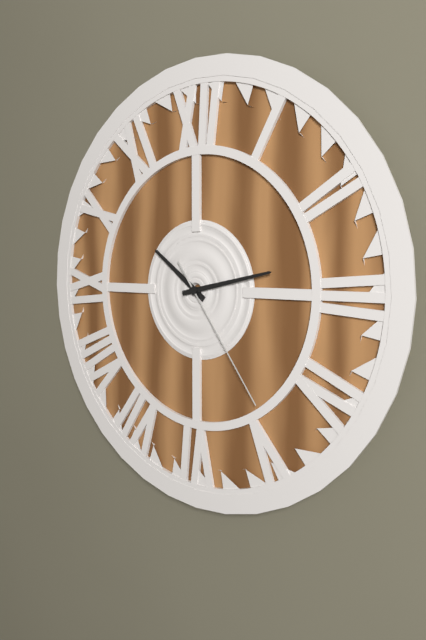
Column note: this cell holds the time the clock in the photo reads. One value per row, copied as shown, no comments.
10:13:24
